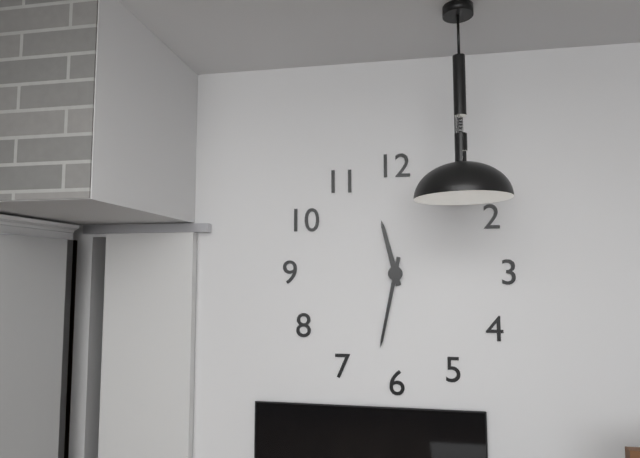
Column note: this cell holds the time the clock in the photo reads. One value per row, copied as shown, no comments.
11:32
